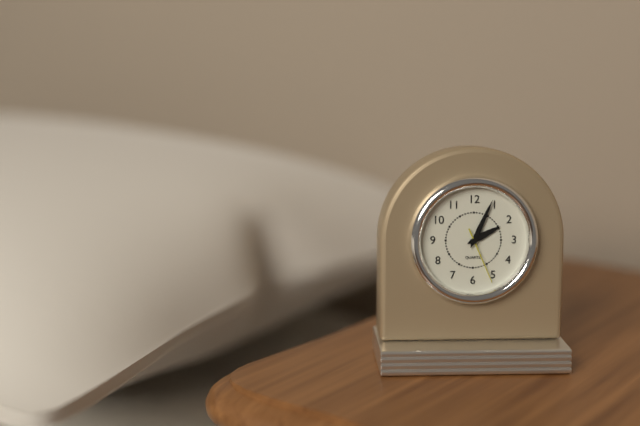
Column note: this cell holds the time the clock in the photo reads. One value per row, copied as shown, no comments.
2:04:26
